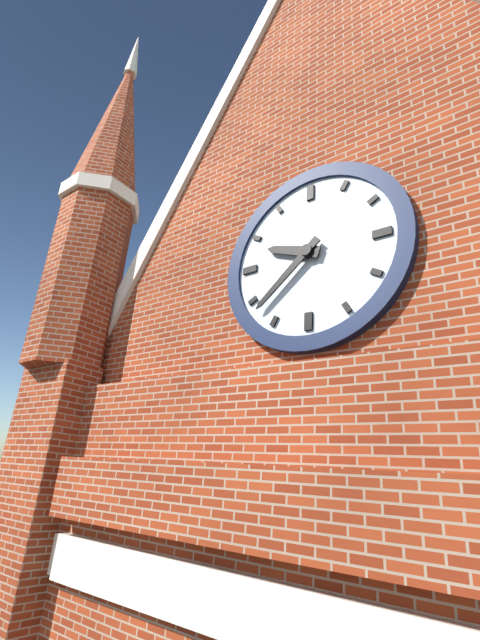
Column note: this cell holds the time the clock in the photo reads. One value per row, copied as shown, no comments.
9:38
